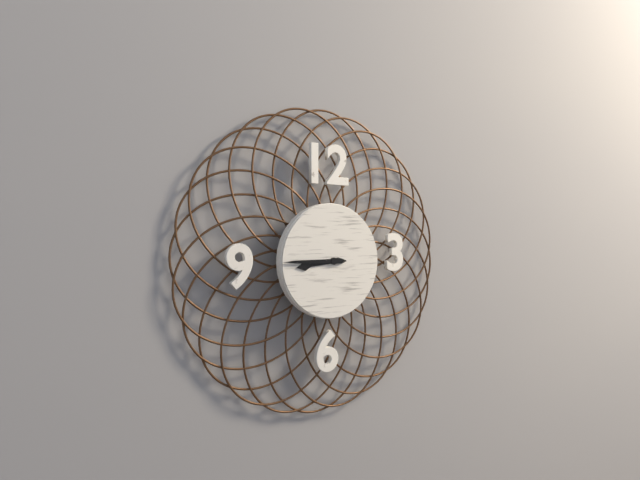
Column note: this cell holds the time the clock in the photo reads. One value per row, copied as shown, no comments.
8:45
